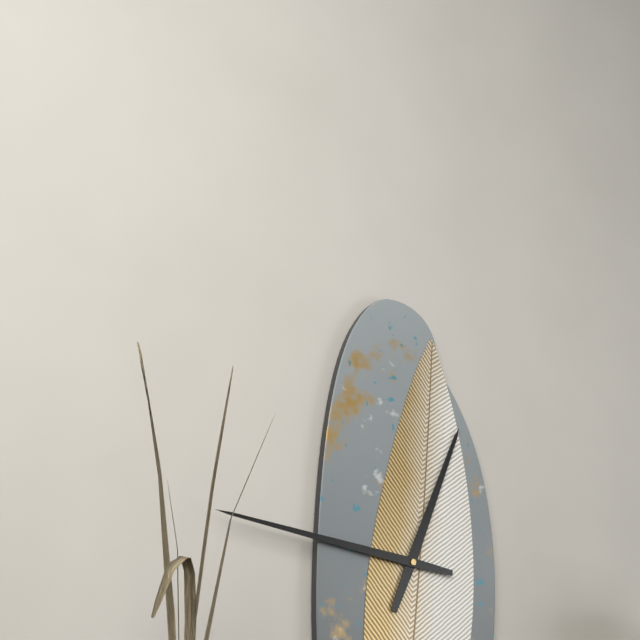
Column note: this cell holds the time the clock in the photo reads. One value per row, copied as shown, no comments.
12:46
